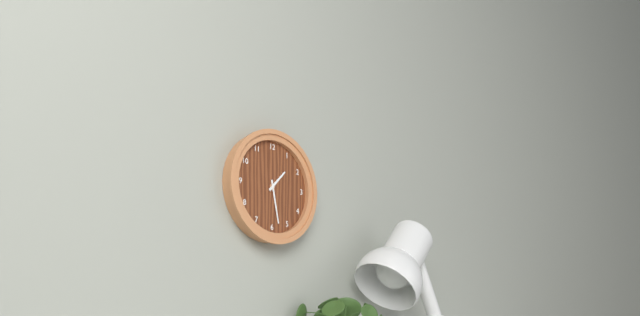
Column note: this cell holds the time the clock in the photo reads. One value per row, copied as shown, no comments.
1:28
